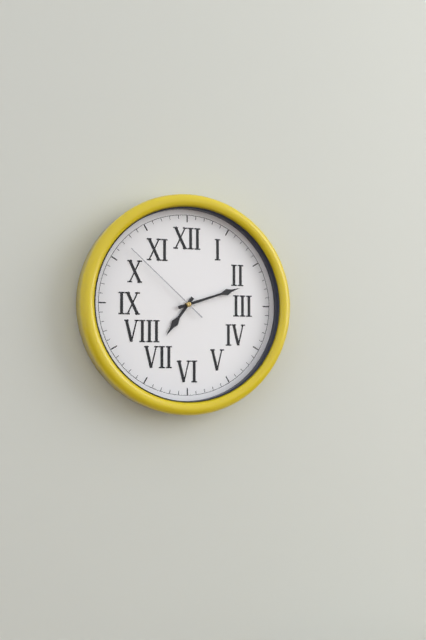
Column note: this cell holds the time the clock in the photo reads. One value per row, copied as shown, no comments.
7:12:52
